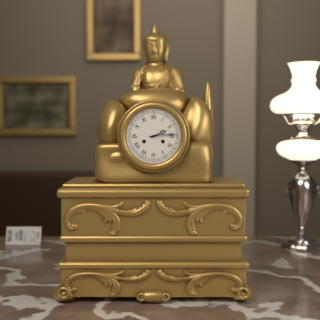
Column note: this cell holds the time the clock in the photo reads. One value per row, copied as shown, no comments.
2:14
